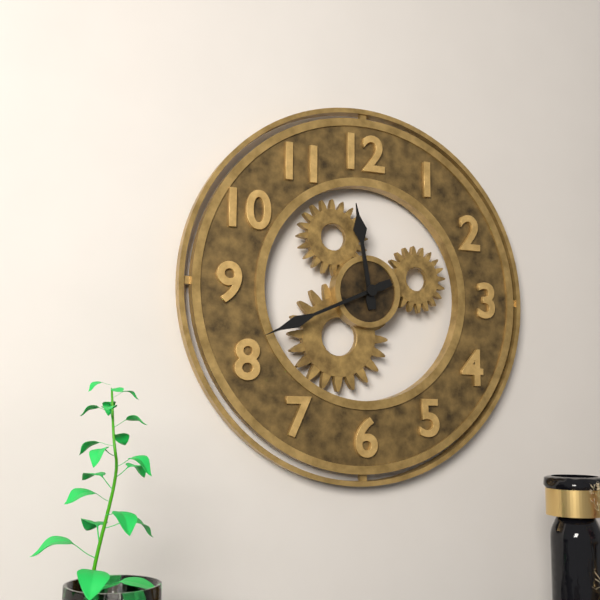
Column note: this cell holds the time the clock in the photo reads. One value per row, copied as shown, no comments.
11:41
